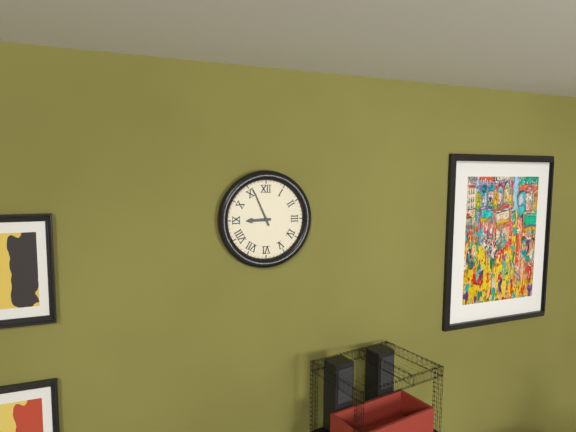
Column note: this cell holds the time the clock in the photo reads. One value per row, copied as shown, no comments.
8:56
